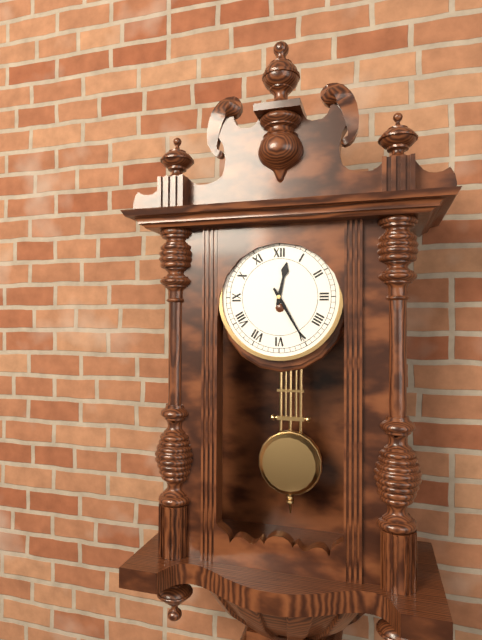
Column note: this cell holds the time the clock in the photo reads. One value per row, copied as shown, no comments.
12:25
